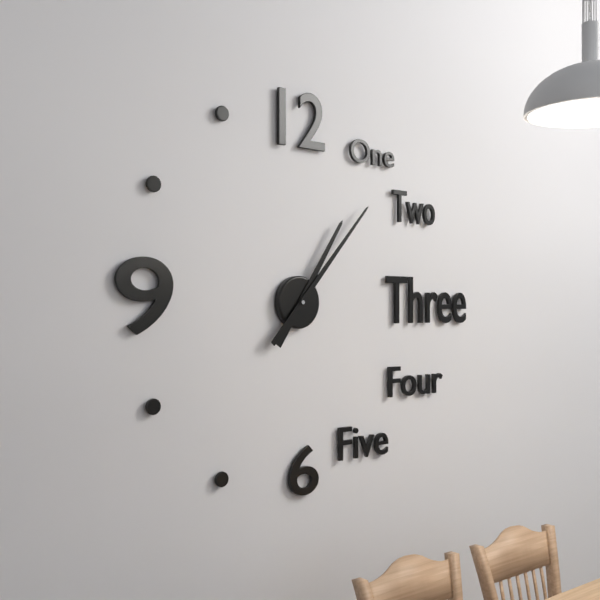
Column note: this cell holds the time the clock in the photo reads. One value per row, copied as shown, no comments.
1:07
